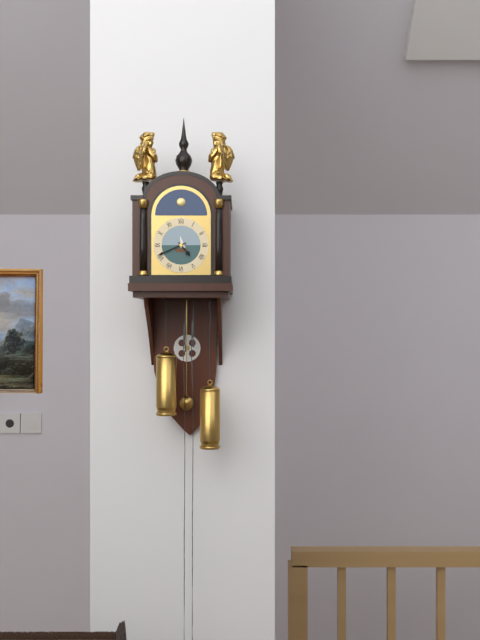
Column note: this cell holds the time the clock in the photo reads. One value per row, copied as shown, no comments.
4:41
